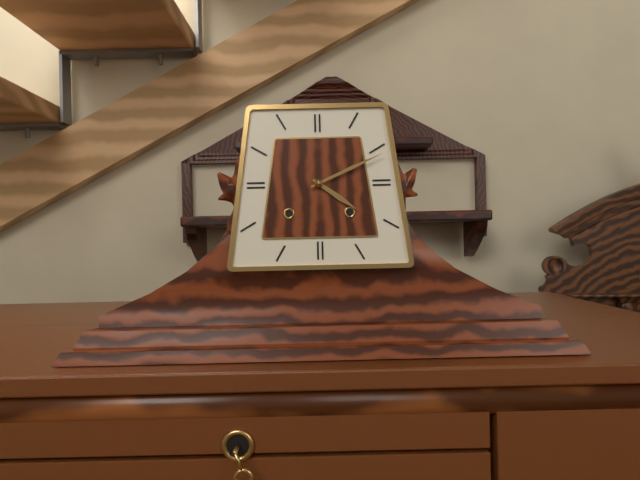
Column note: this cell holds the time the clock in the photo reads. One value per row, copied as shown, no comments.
4:11
